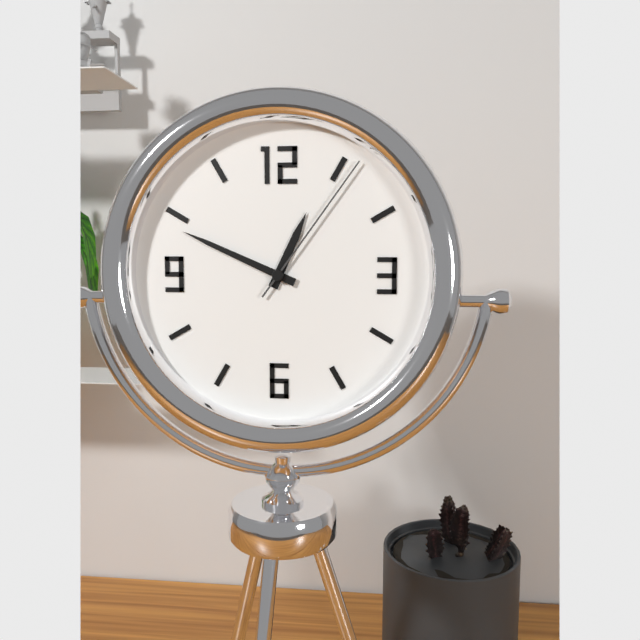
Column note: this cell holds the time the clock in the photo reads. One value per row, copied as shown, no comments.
12:49:06
